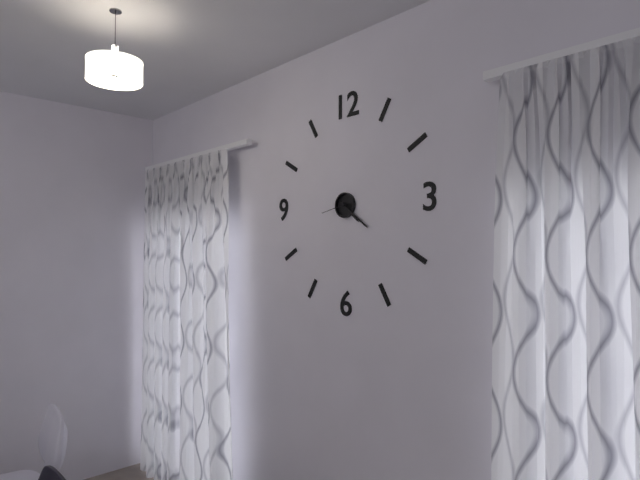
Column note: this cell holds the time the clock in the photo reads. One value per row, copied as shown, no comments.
4:21
